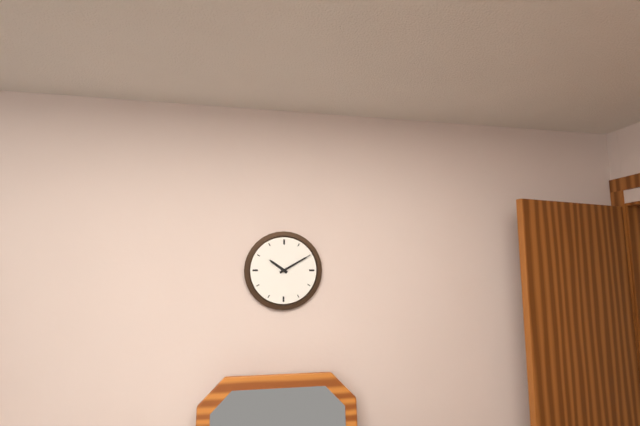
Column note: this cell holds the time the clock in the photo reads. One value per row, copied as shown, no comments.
10:10
